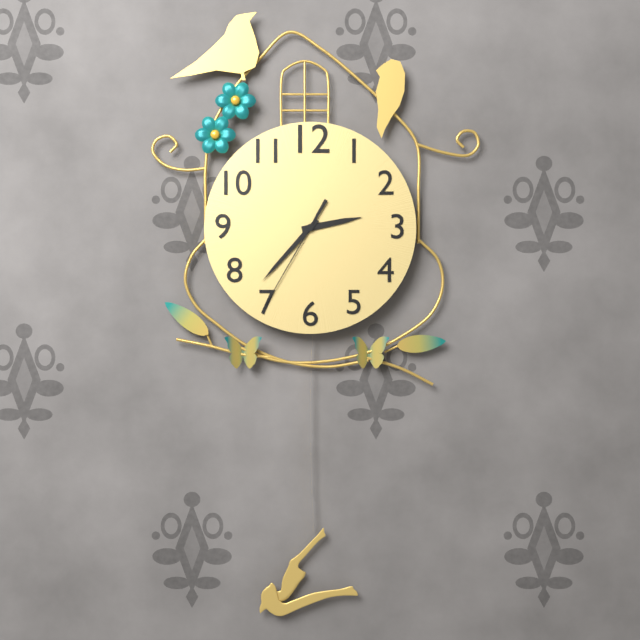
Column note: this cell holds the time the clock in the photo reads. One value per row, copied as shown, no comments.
2:37:35
